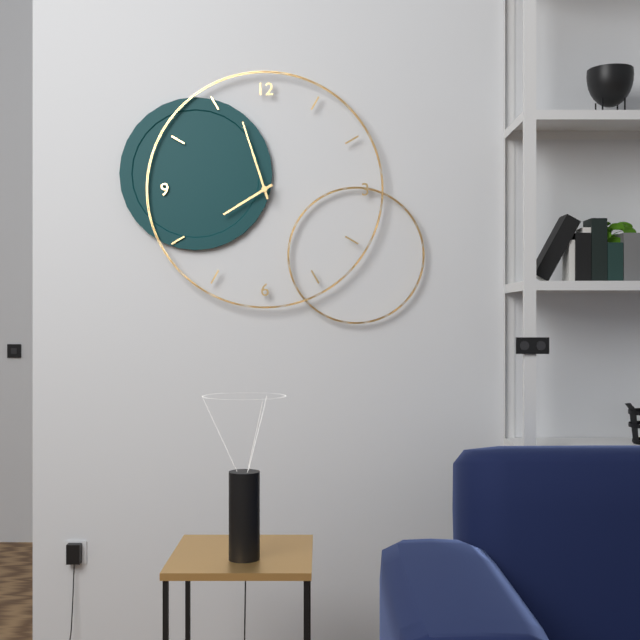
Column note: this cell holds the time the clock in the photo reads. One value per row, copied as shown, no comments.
7:57
